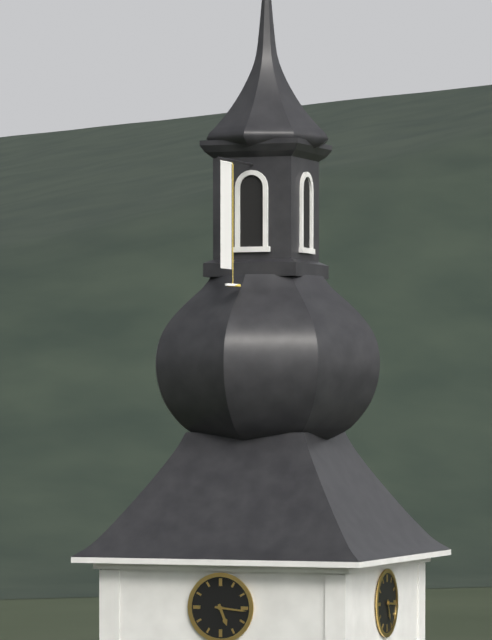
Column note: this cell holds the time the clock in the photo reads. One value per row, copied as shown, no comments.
5:16
